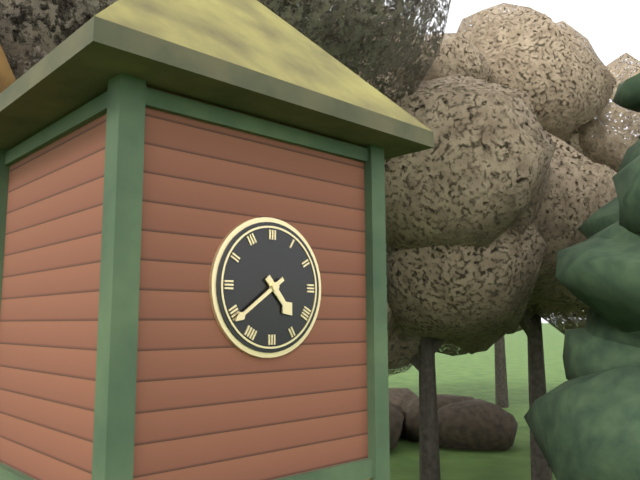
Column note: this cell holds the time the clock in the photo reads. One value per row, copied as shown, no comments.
4:39
